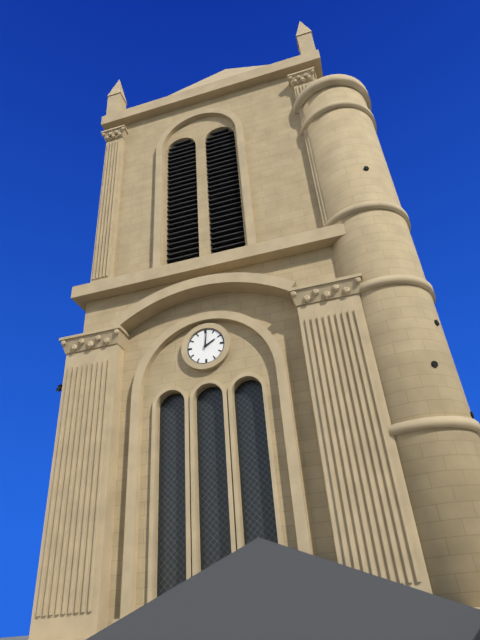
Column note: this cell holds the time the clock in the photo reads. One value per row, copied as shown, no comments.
2:01
